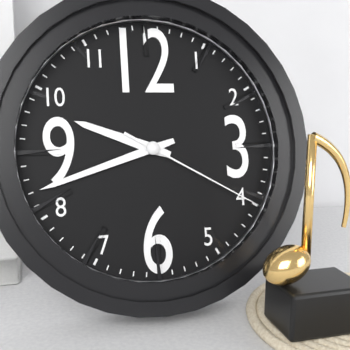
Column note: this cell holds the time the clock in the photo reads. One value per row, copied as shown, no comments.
9:42:20
